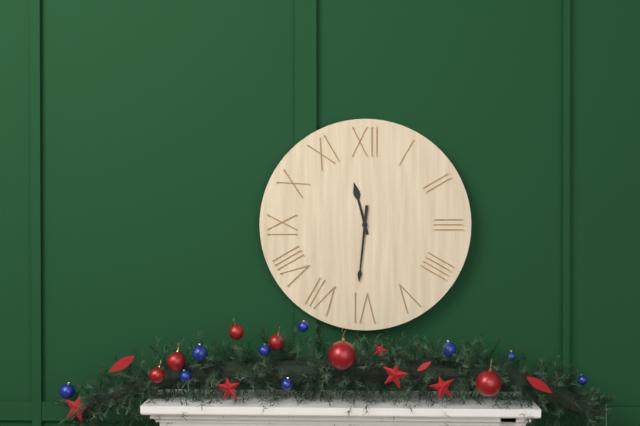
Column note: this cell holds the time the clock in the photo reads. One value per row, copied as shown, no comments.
11:31
